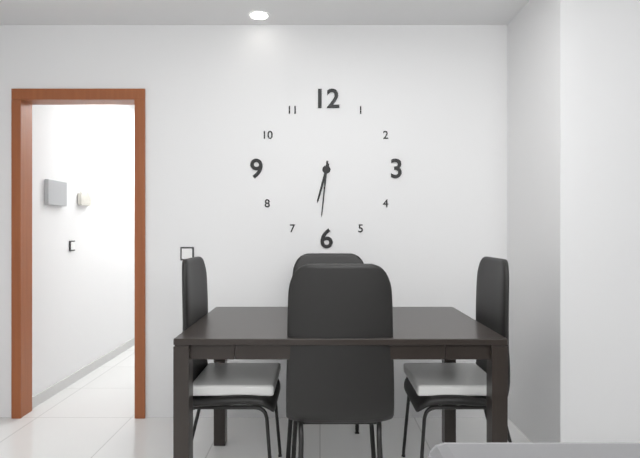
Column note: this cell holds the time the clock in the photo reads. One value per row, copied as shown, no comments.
6:31
